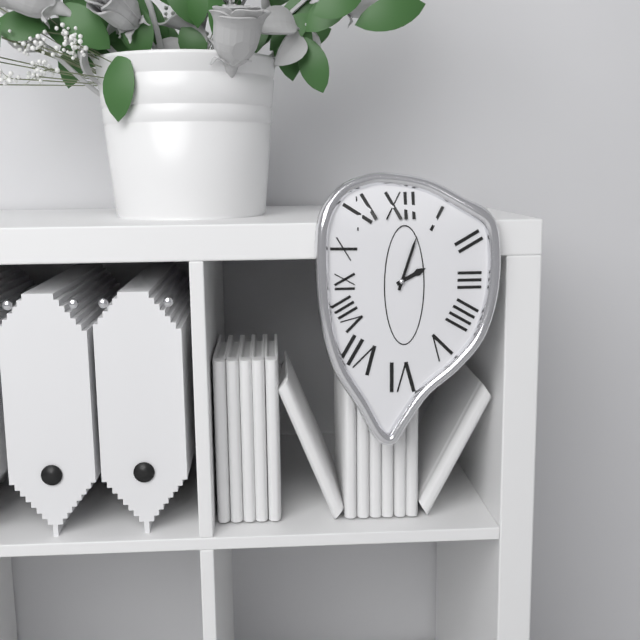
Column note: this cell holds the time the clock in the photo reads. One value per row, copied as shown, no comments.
2:03
